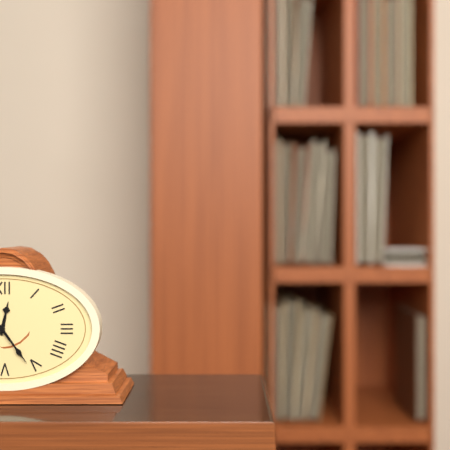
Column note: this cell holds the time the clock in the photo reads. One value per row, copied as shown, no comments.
12:24
